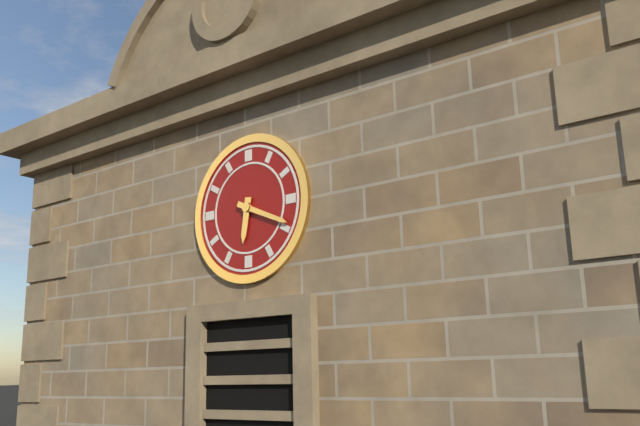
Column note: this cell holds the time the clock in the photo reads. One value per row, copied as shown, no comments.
6:19
